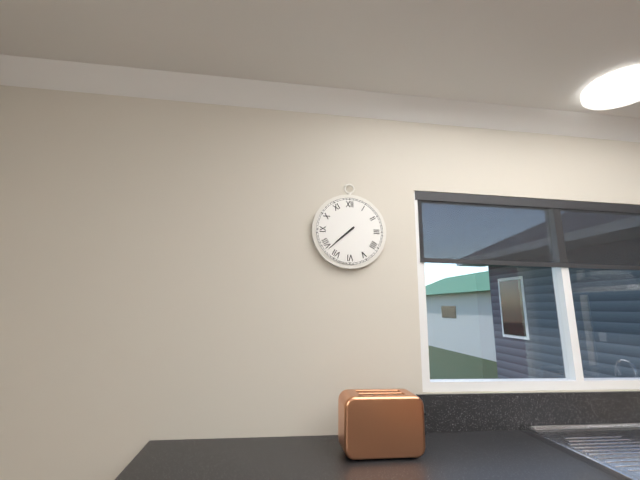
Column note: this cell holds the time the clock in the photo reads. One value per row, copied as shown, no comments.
7:38
